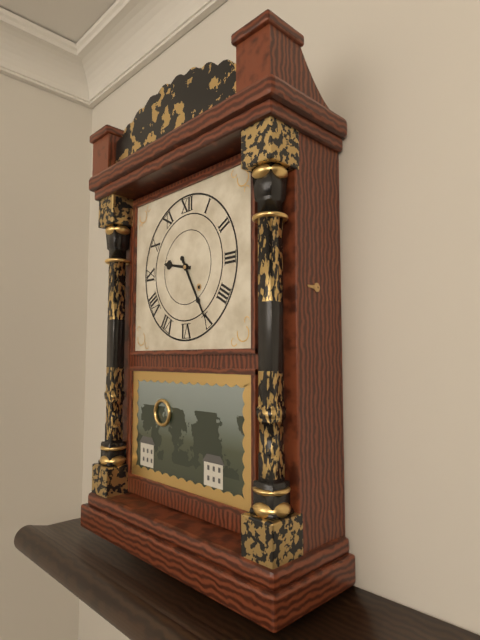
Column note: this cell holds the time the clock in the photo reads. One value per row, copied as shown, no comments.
9:25
